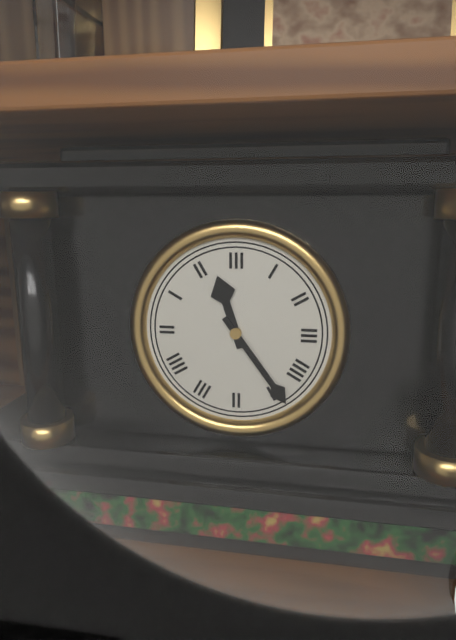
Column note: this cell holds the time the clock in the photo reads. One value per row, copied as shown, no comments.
11:24
